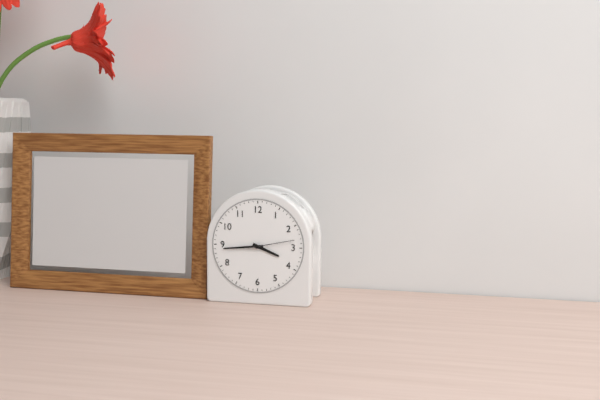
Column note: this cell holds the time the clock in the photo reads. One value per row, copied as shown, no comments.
3:44
